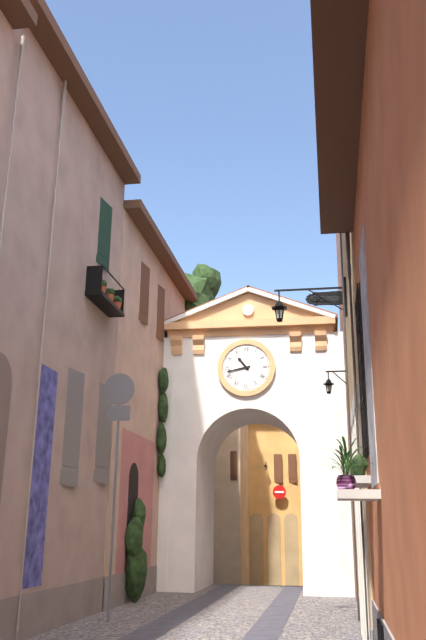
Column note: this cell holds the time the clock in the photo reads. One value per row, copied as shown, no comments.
10:43
